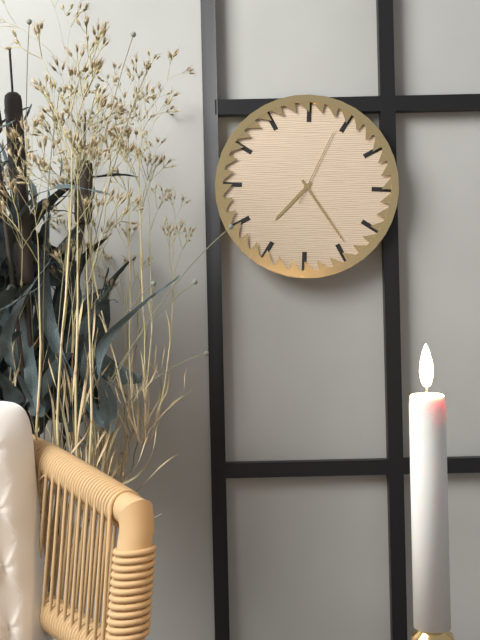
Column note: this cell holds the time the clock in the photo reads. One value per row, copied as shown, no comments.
7:24:04
